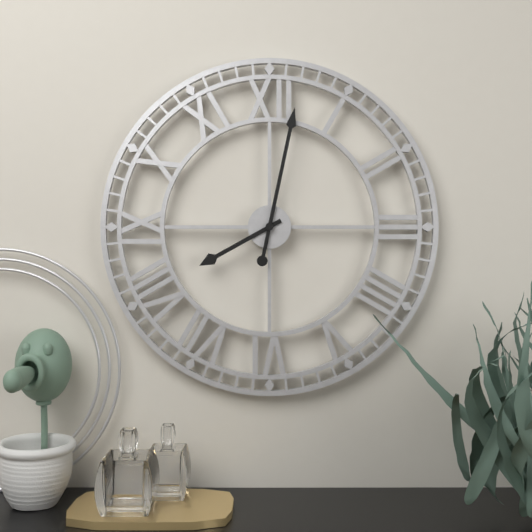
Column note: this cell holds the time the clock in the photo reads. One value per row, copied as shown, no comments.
8:02
